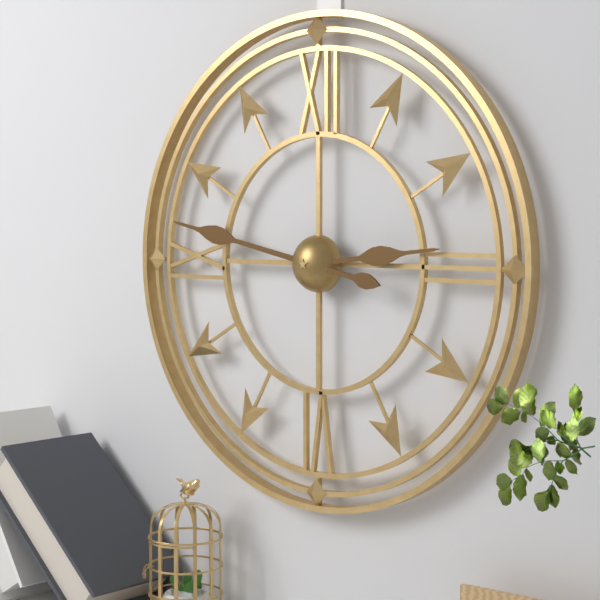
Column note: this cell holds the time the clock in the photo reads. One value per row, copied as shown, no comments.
2:47
